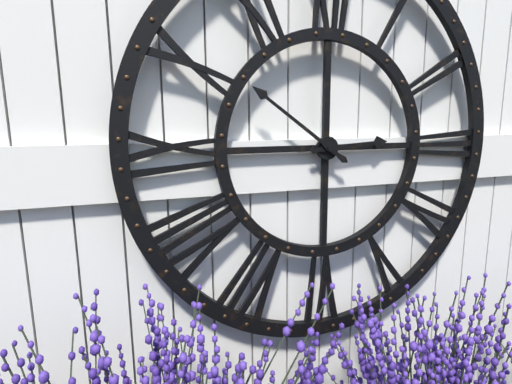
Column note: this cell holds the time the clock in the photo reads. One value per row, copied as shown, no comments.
2:51
